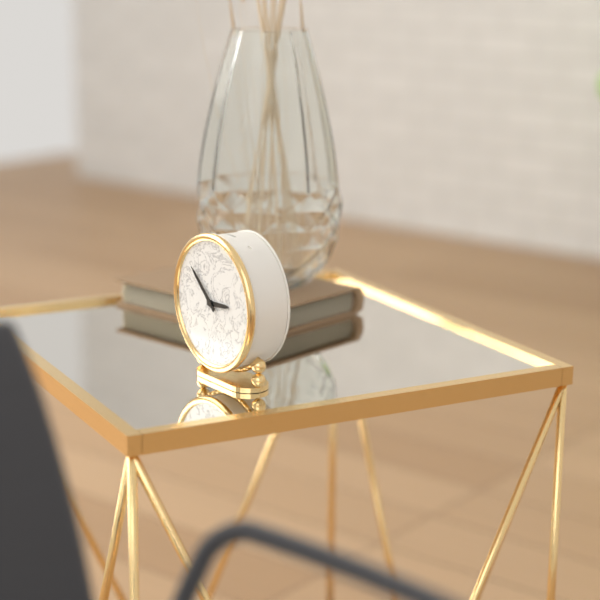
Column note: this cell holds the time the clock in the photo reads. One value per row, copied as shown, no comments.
2:52
